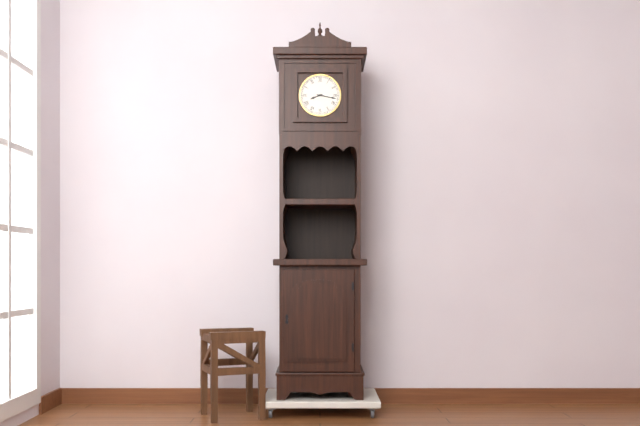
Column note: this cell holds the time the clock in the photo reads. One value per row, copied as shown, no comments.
8:17
